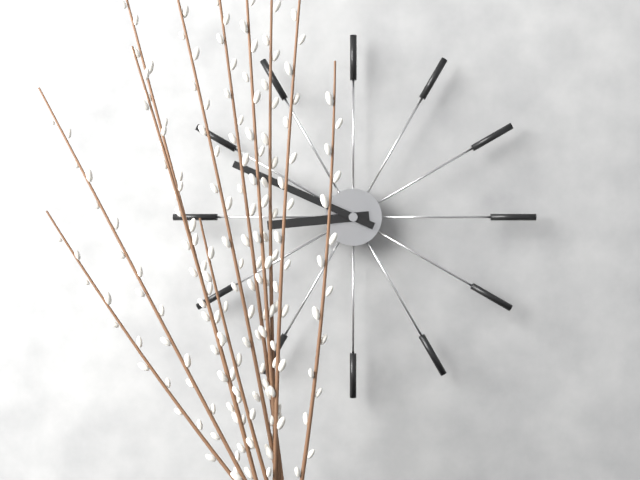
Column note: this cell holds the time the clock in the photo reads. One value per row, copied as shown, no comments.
8:49
